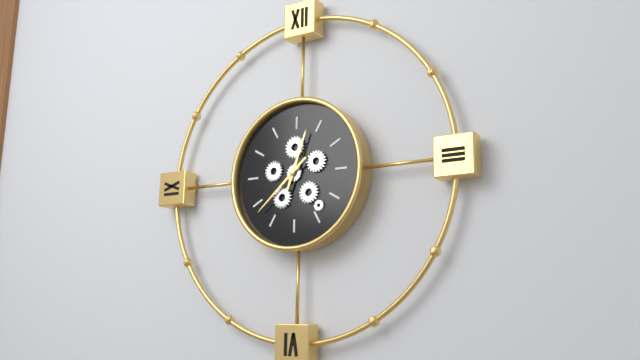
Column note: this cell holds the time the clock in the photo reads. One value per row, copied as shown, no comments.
12:38
